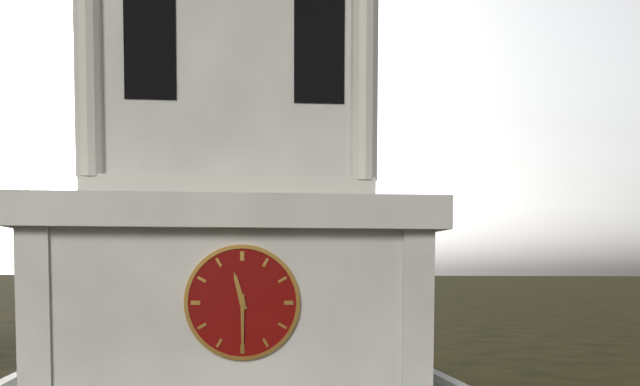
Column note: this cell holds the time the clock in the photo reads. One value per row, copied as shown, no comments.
11:30
